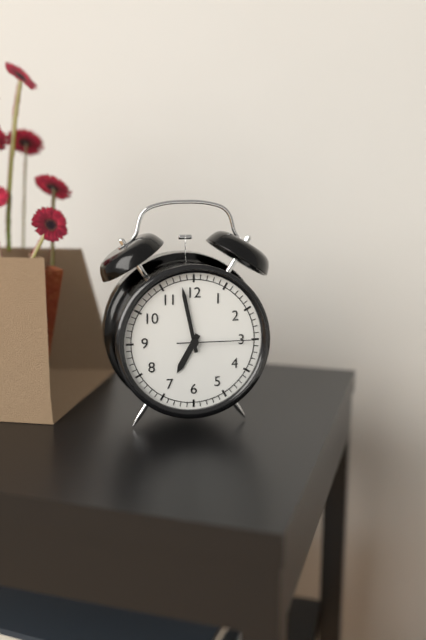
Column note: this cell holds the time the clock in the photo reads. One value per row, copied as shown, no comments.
6:58:15
